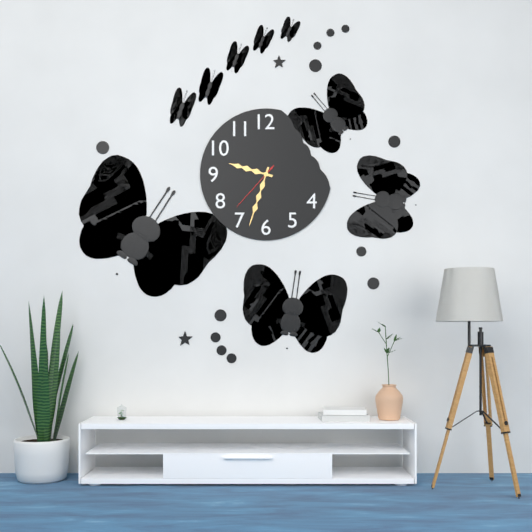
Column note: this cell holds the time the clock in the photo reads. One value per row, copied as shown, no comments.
9:33:37
